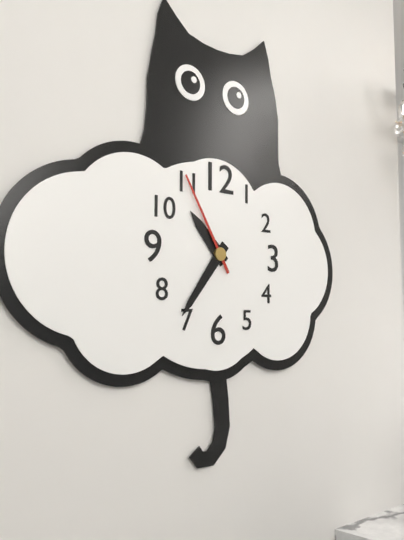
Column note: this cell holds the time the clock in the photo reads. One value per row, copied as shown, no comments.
10:36:55
